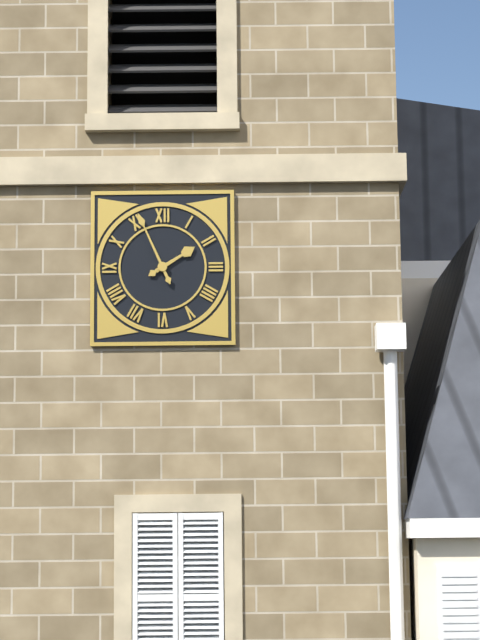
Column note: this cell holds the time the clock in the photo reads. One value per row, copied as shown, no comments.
1:56
